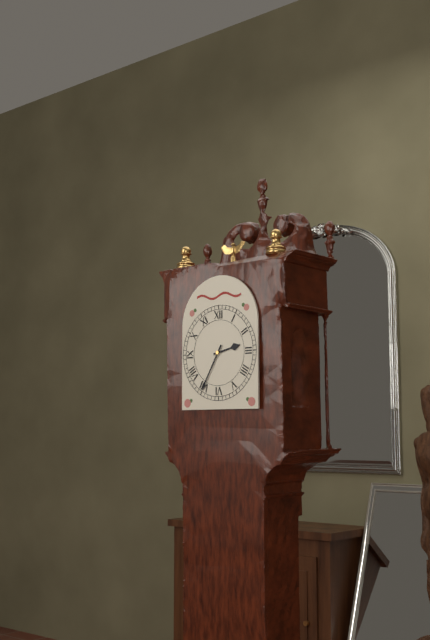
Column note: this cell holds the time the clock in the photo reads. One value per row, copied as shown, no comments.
2:35
